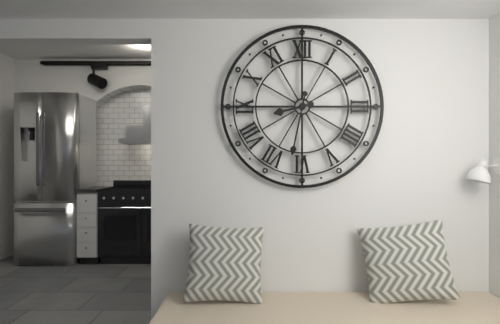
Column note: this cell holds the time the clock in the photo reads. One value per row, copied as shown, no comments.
8:32
